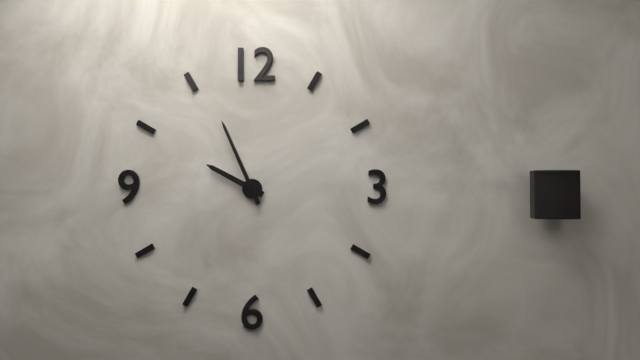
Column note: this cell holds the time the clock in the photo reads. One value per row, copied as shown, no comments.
9:56
